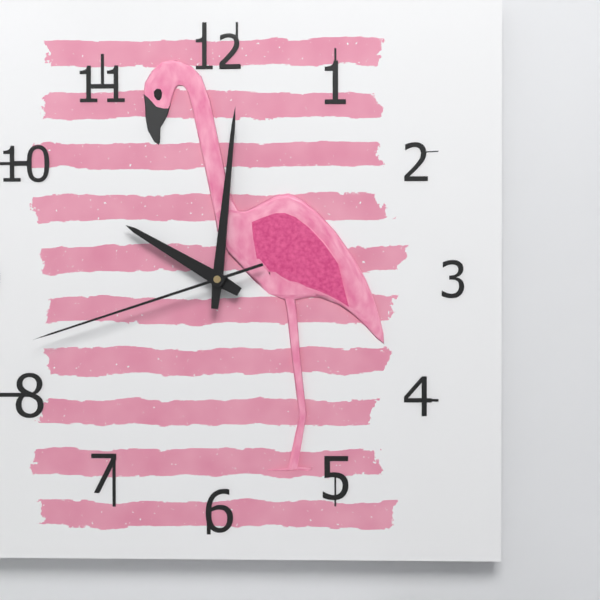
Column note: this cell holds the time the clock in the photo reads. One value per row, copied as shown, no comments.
10:01:42
